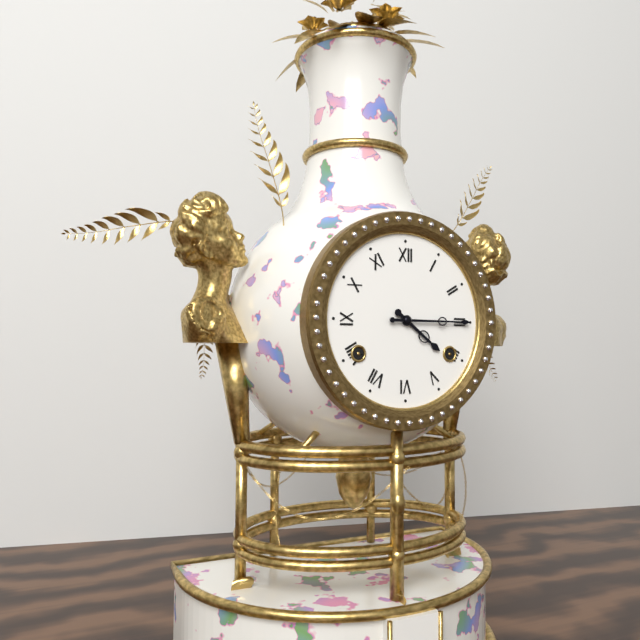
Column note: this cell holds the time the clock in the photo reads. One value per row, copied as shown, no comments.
4:15
